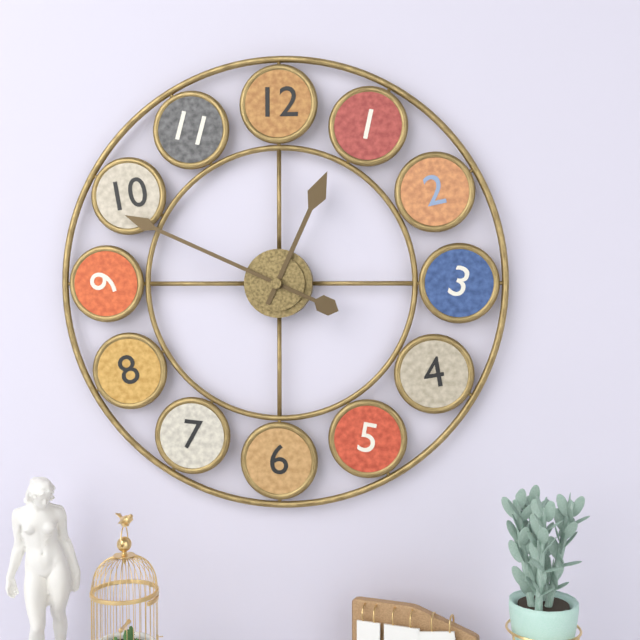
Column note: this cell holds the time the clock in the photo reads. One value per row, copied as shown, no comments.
12:49
